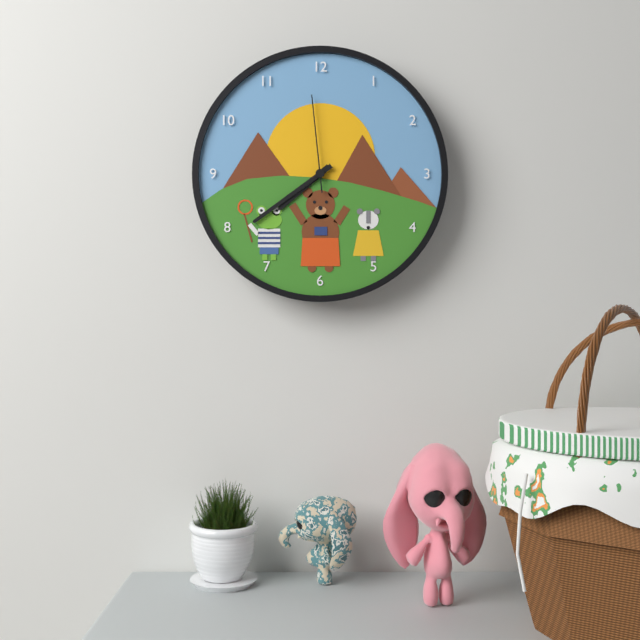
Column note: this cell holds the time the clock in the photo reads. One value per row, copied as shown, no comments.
7:39:59
